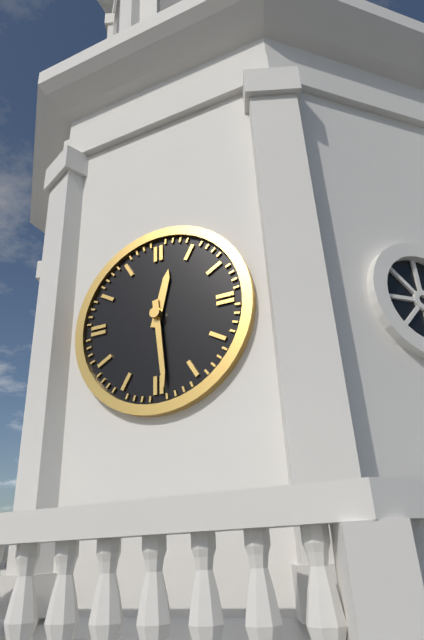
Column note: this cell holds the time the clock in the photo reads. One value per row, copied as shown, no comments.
12:29
